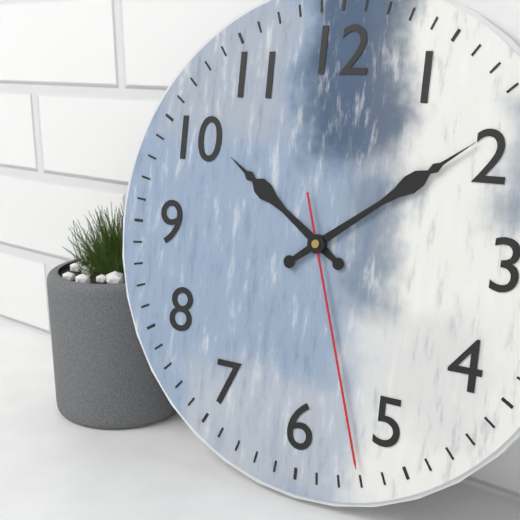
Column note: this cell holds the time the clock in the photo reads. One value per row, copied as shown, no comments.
10:09:27
